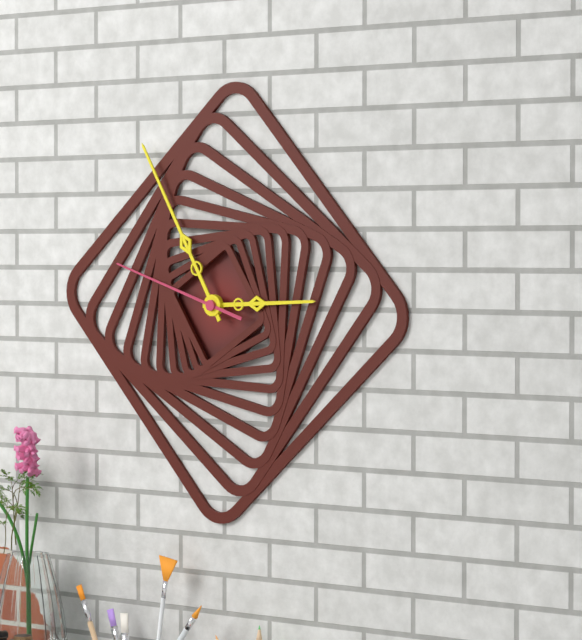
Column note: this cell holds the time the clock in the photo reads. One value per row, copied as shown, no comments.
2:55:48
